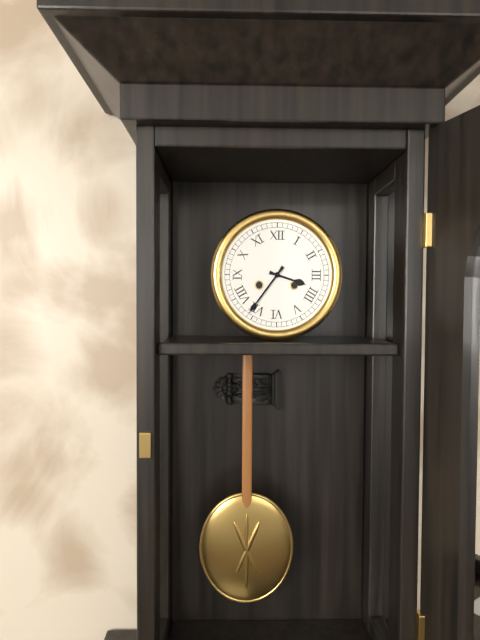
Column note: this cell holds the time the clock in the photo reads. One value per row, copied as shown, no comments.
3:36
